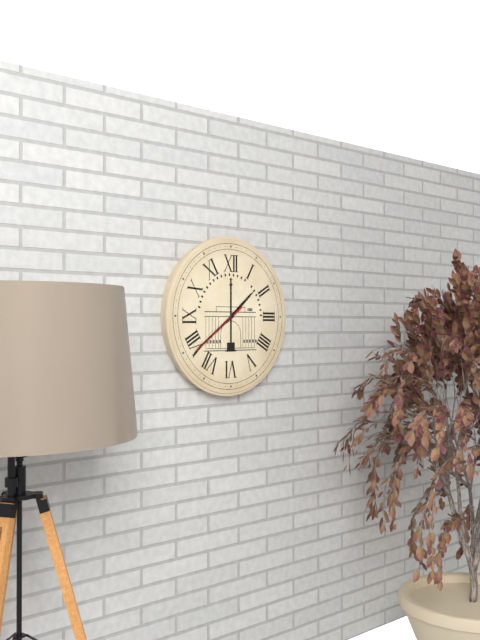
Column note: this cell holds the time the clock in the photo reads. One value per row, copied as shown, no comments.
1:39:39
